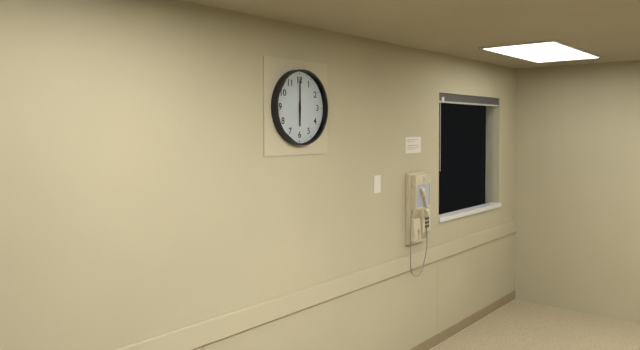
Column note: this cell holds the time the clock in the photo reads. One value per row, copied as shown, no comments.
6:00
